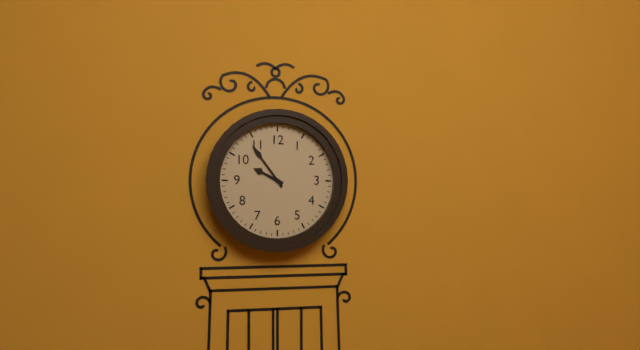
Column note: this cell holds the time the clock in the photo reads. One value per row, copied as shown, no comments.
9:54
